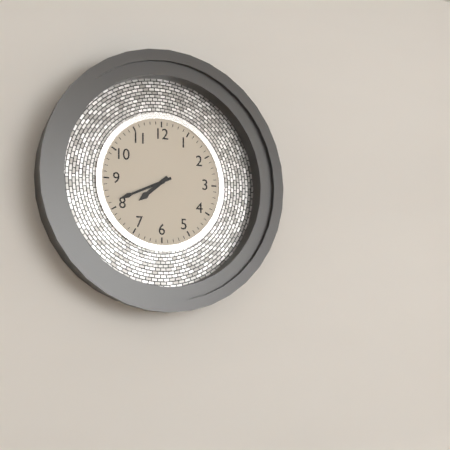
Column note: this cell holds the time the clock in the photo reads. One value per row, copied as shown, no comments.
7:41
